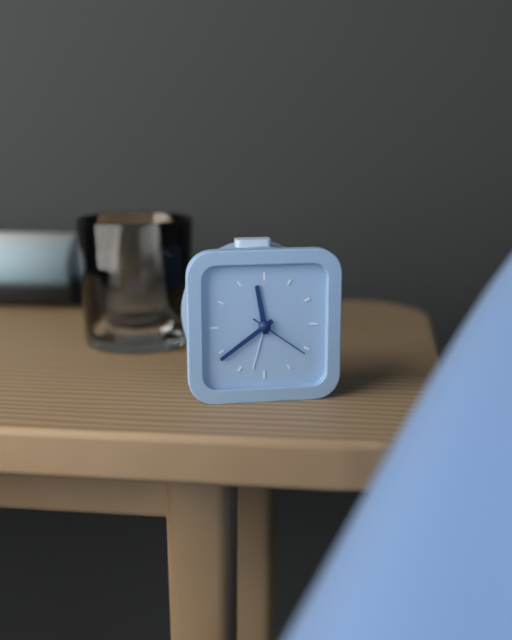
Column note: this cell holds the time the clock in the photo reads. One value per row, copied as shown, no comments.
11:39:21
